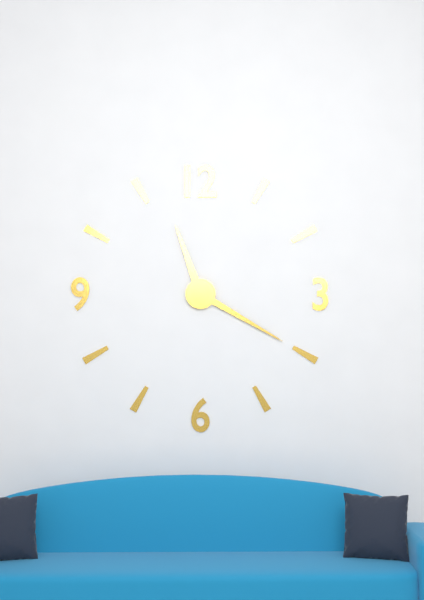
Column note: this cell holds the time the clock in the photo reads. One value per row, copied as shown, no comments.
11:20
